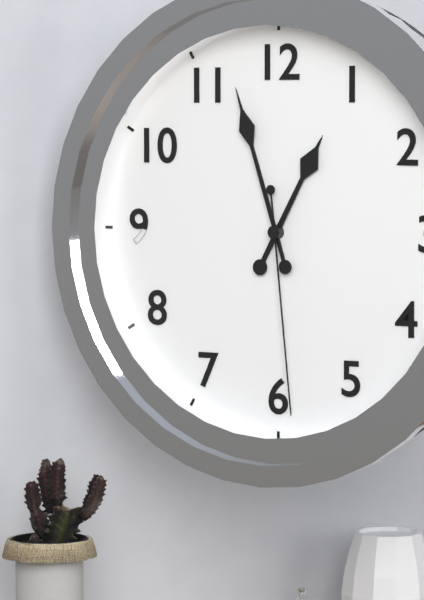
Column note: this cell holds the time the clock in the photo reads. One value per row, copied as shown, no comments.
12:57:29
